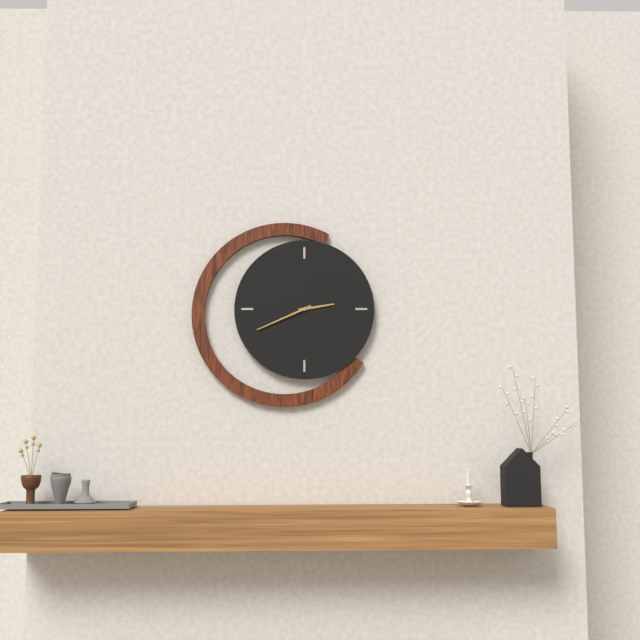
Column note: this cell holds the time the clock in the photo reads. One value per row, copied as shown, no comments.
2:41
